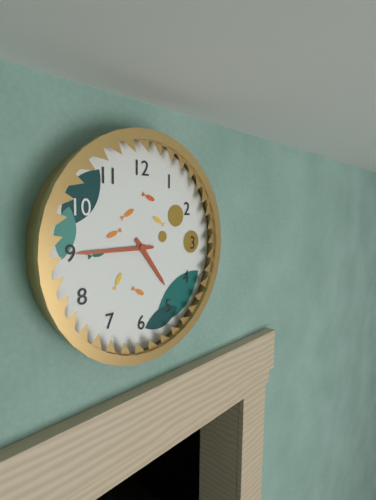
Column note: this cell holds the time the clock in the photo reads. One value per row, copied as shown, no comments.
4:45
